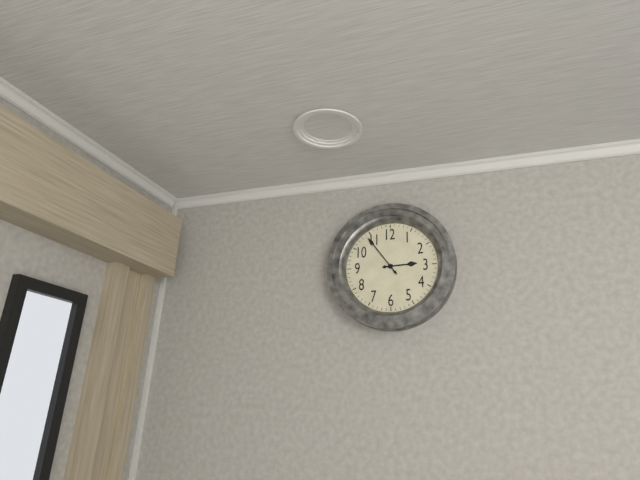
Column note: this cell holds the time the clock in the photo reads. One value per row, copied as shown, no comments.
2:54
